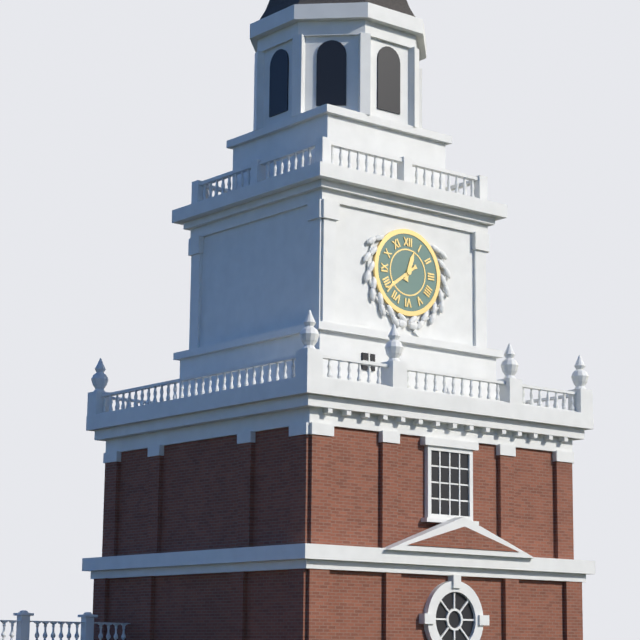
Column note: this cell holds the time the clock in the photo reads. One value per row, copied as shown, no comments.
12:39
